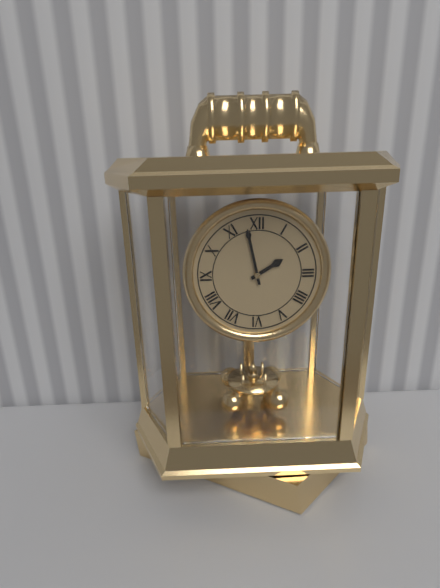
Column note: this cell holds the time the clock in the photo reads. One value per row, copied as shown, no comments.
1:58
